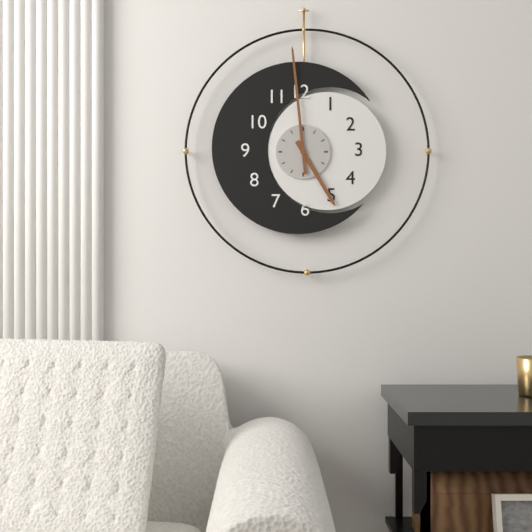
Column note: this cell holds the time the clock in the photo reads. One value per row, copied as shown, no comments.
4:59
